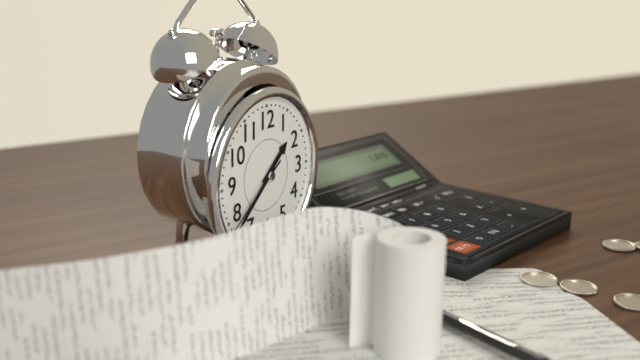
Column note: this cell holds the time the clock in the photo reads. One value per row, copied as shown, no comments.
1:38:39
